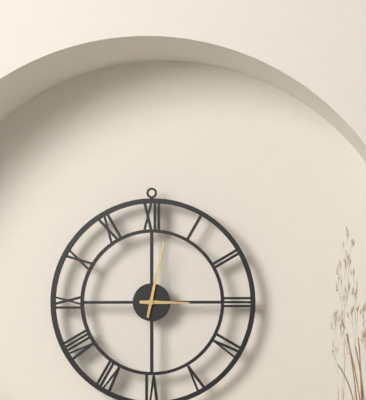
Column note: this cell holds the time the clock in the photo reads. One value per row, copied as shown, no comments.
3:02
